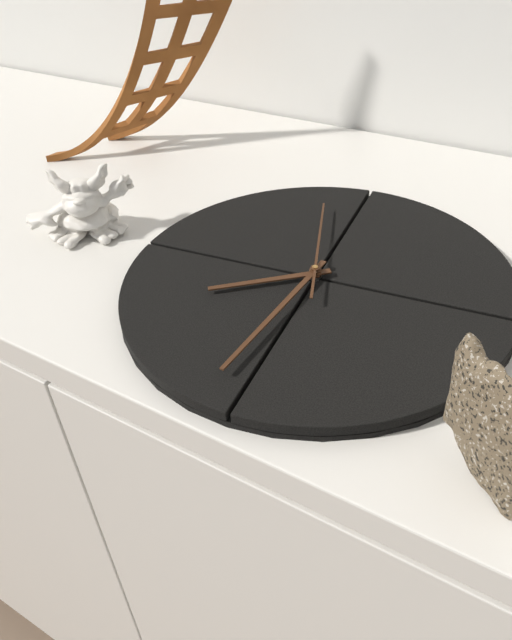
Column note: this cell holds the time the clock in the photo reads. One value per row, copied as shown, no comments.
8:35:01
